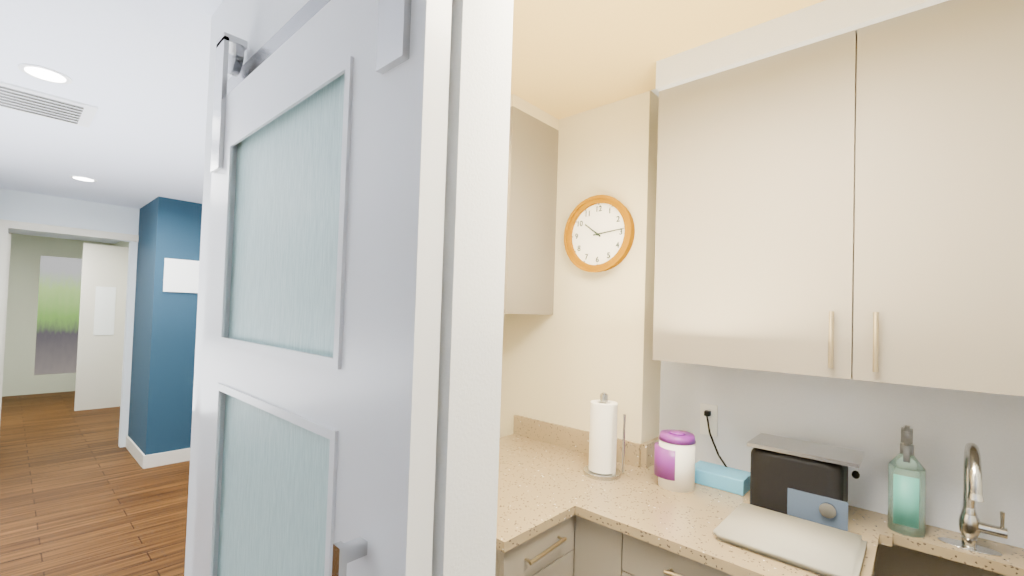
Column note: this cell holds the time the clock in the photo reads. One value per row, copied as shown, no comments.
10:14
